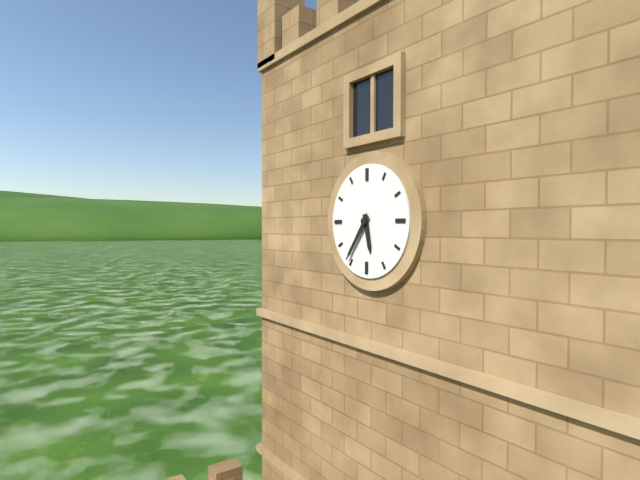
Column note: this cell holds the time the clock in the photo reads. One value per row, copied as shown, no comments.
5:36
